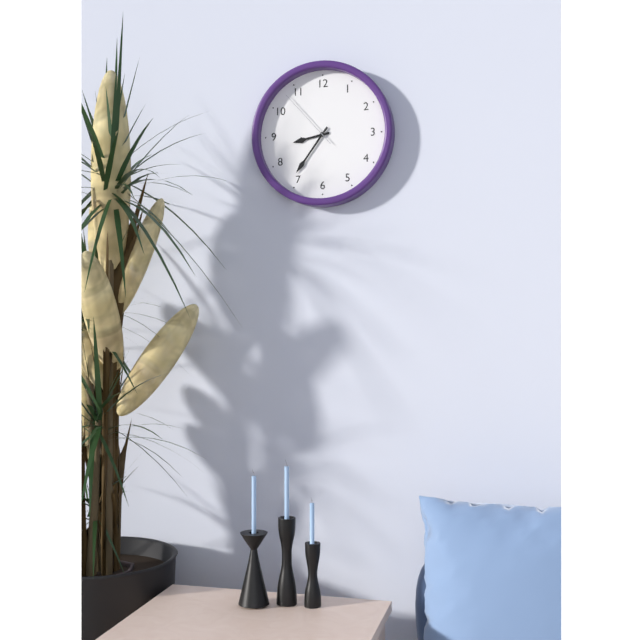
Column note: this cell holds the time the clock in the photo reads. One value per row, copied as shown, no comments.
8:36:53
